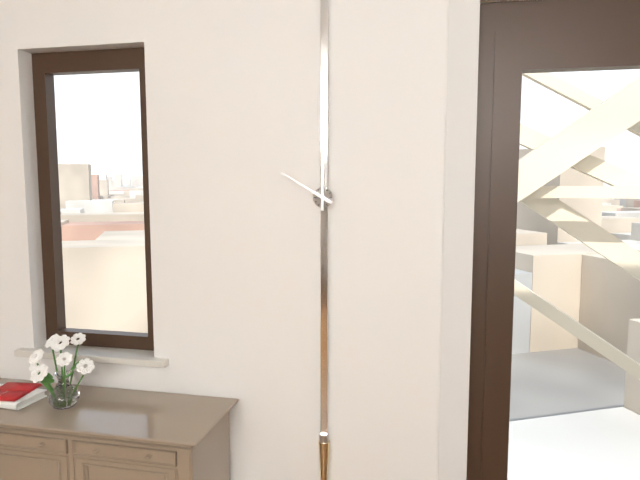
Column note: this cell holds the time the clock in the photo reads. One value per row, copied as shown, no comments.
10:00
